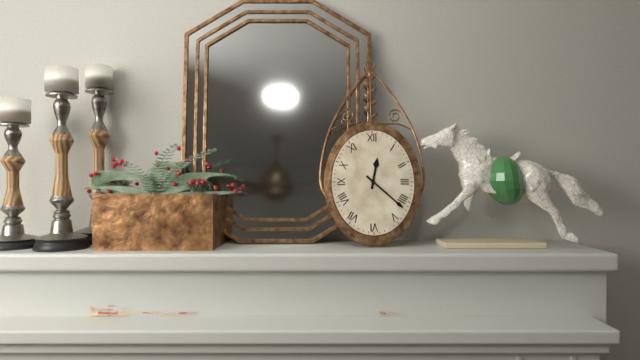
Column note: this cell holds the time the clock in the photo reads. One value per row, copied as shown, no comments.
12:22
